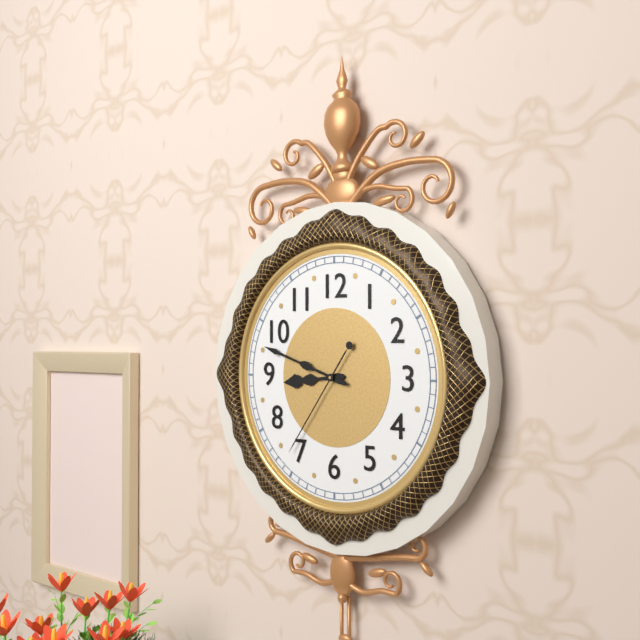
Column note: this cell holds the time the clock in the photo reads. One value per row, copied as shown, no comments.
8:48:36
